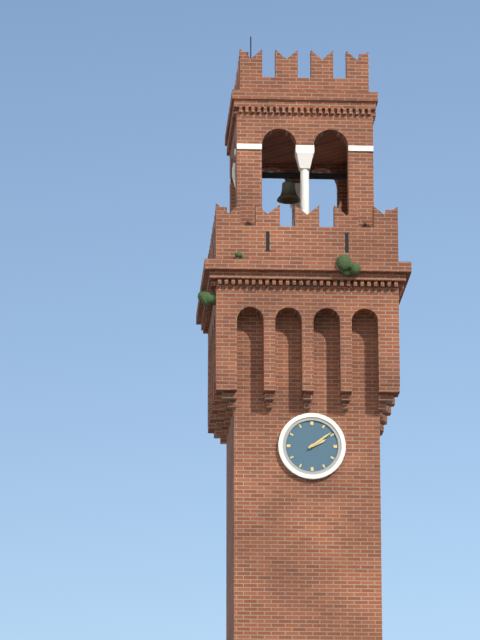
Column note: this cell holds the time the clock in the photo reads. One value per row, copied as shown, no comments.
2:09
